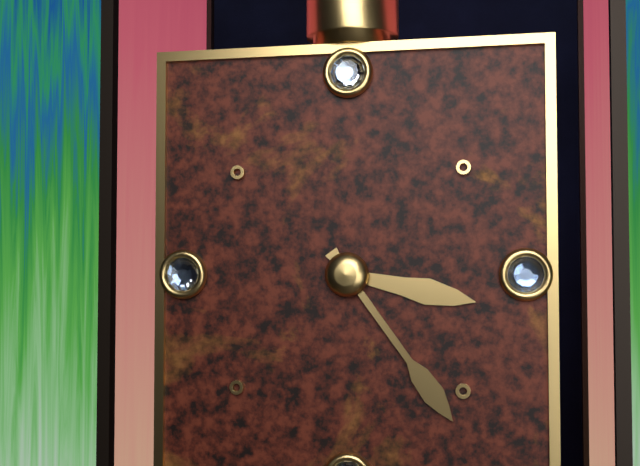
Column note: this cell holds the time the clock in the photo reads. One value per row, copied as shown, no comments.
3:24
